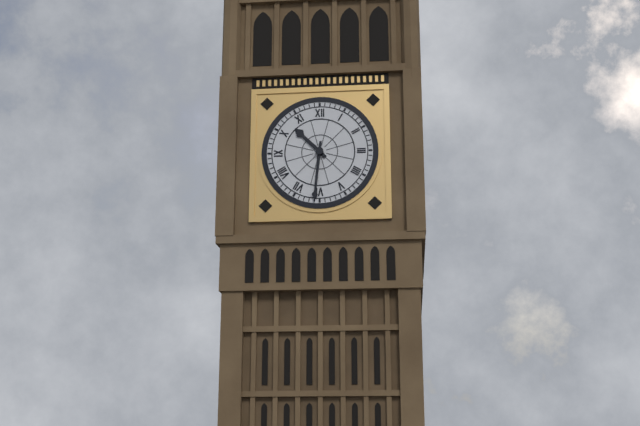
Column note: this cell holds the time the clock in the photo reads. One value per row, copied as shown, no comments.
10:31
